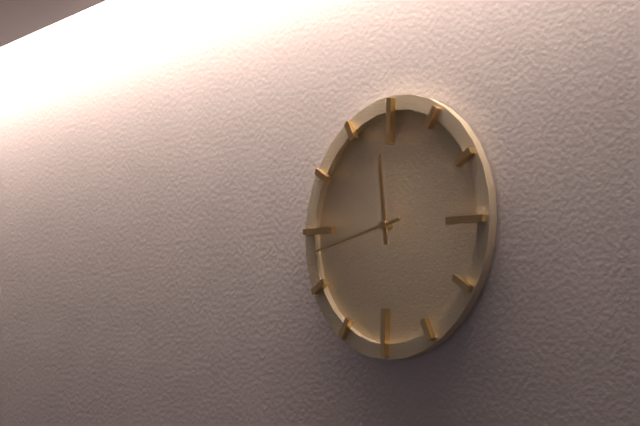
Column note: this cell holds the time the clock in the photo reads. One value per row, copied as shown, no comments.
11:43
